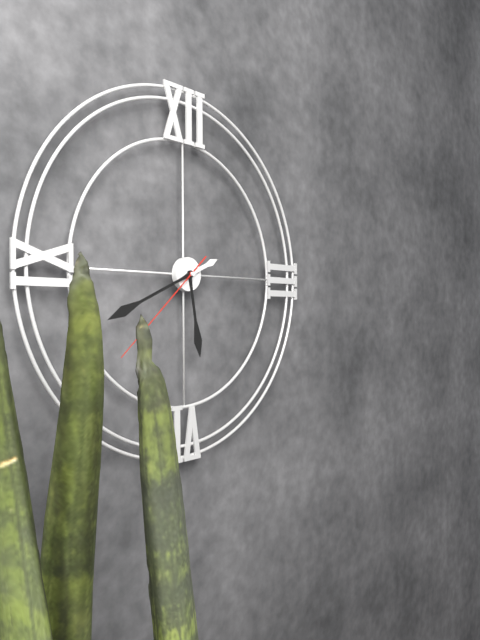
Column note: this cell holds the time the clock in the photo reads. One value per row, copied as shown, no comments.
5:41:38
